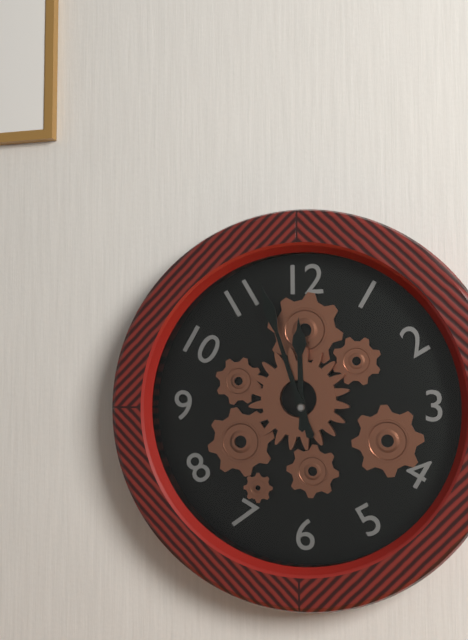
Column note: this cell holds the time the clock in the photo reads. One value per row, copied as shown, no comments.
11:57
